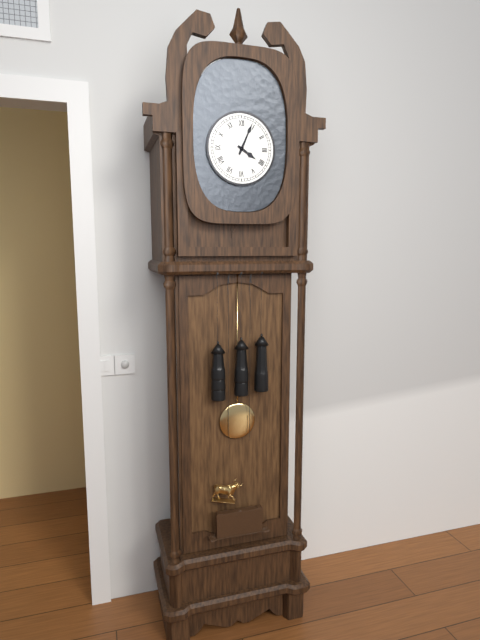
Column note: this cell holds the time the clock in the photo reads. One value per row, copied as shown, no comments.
4:04
